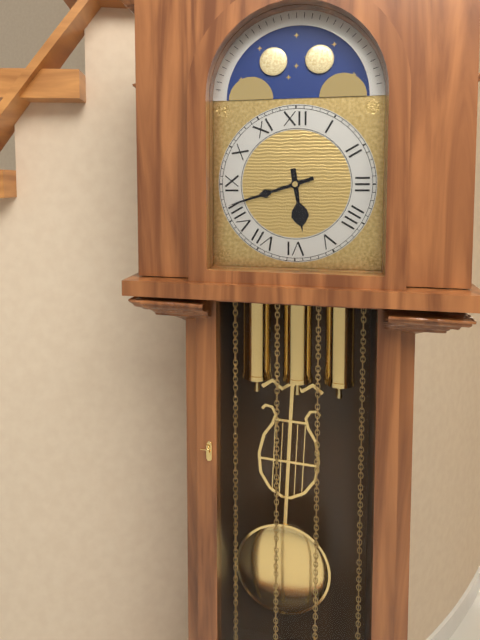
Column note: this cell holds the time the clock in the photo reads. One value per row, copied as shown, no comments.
5:42
